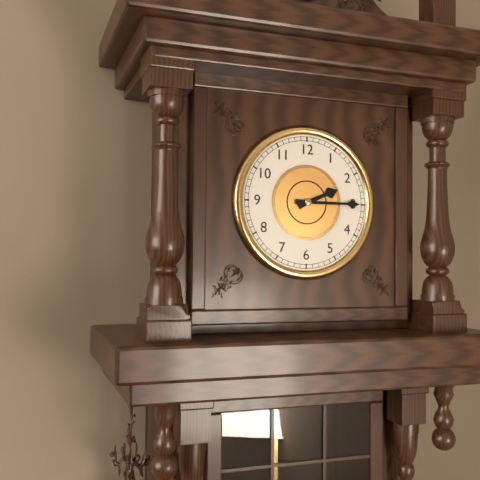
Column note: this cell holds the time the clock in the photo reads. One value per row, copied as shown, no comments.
2:15
